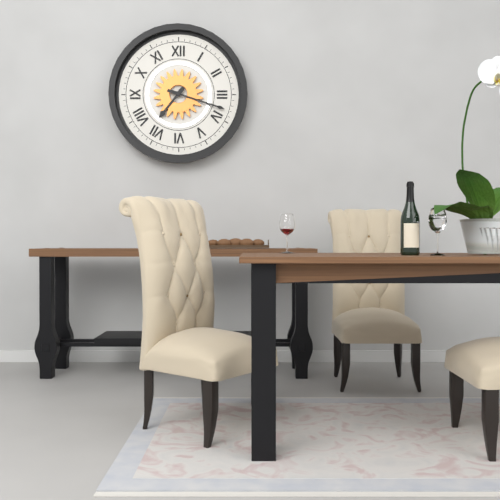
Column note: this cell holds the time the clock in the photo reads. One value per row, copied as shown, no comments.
7:18
